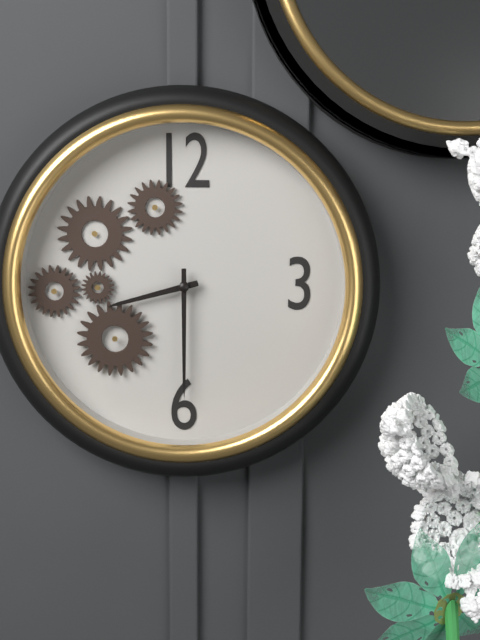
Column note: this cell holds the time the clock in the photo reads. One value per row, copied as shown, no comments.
8:30
